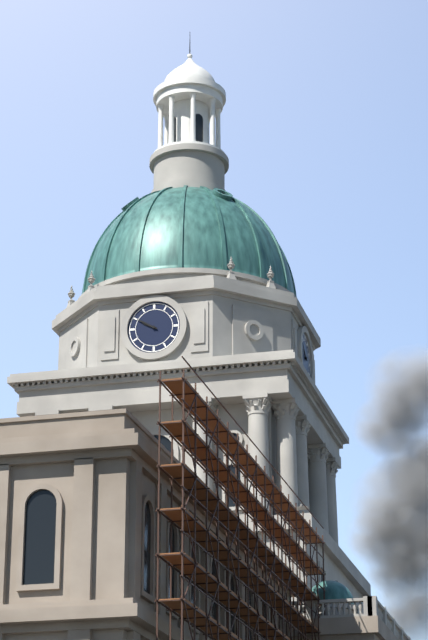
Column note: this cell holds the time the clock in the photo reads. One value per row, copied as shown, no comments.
9:50
